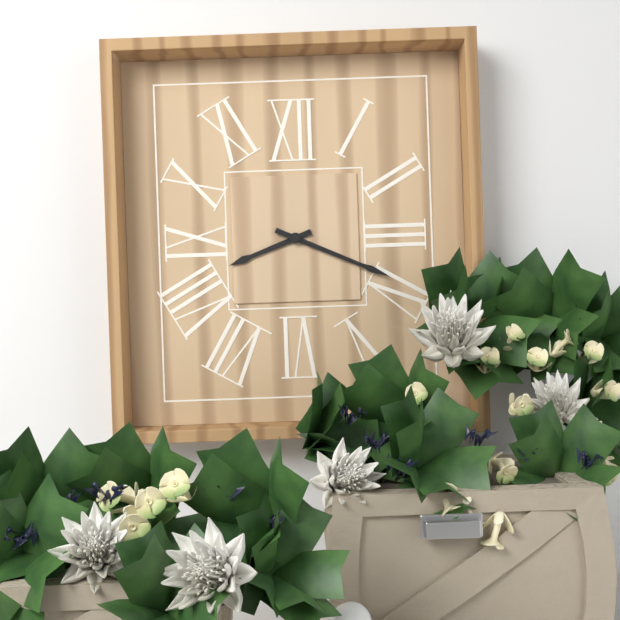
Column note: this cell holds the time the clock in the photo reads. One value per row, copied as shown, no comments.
8:19
